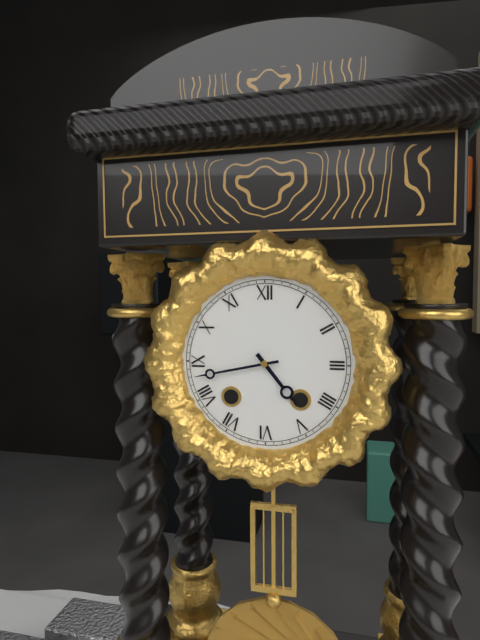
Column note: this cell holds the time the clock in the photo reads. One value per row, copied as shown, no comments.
4:43
